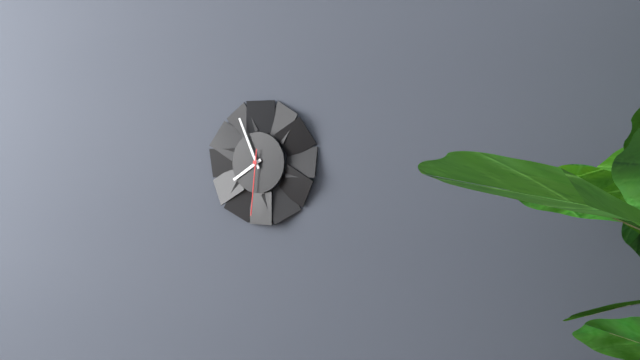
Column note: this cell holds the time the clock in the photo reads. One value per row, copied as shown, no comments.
7:56:31
